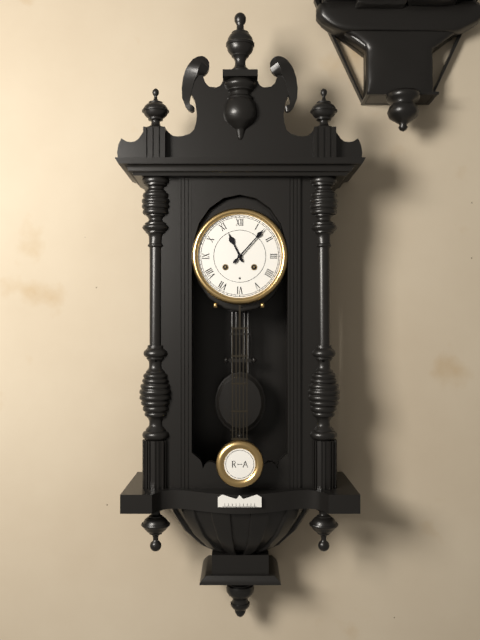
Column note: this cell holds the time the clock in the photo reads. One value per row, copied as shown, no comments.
11:07
